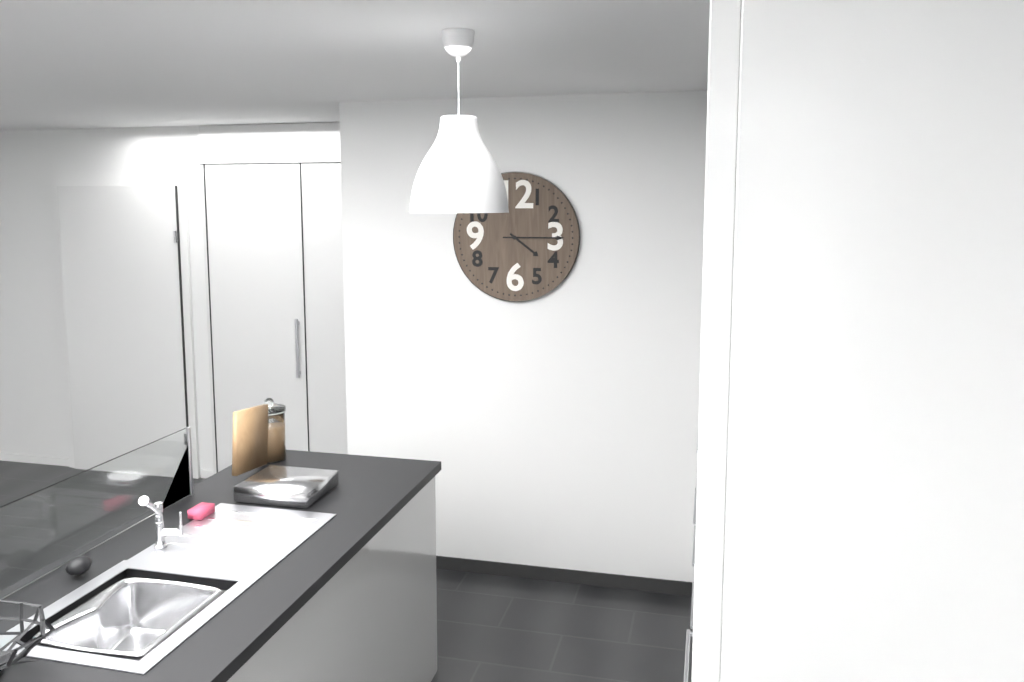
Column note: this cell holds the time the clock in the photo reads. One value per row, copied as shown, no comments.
4:15
